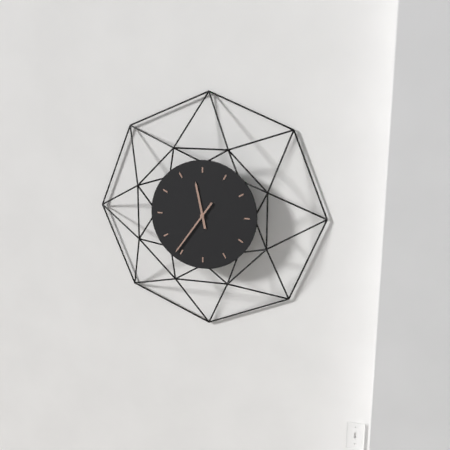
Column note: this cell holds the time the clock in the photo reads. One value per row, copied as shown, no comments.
11:36
